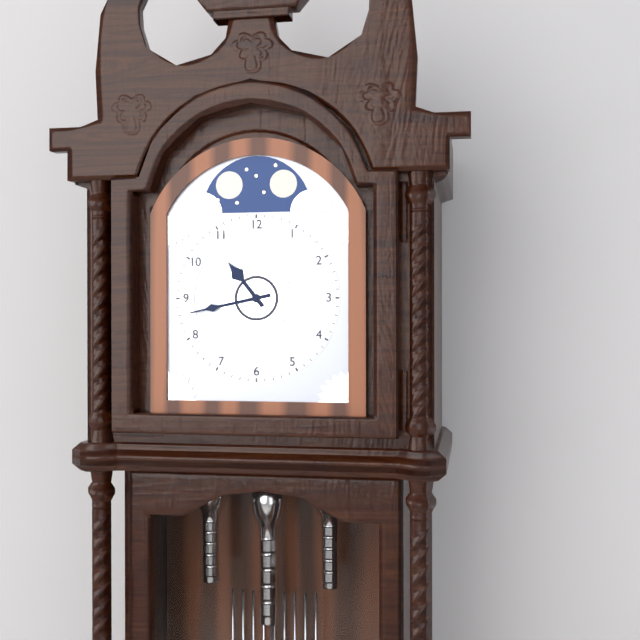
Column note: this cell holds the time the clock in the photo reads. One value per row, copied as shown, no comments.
10:43
